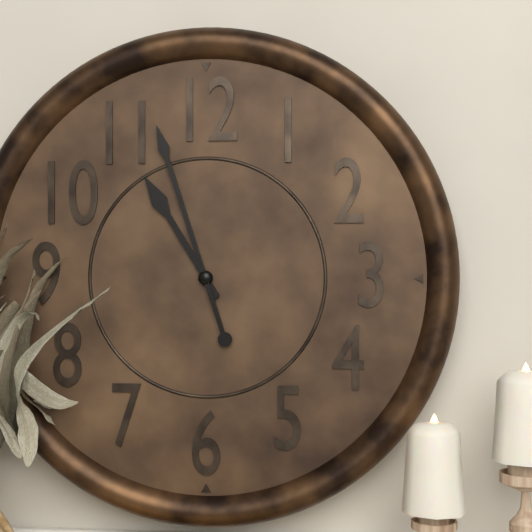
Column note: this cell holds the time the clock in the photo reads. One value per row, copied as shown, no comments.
10:57
